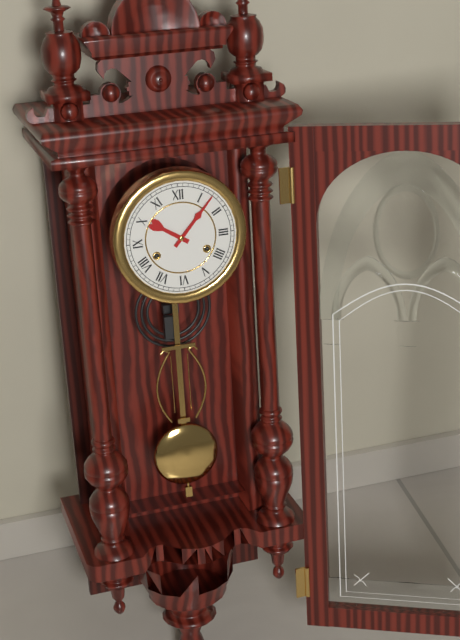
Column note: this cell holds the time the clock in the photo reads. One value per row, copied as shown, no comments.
10:07
